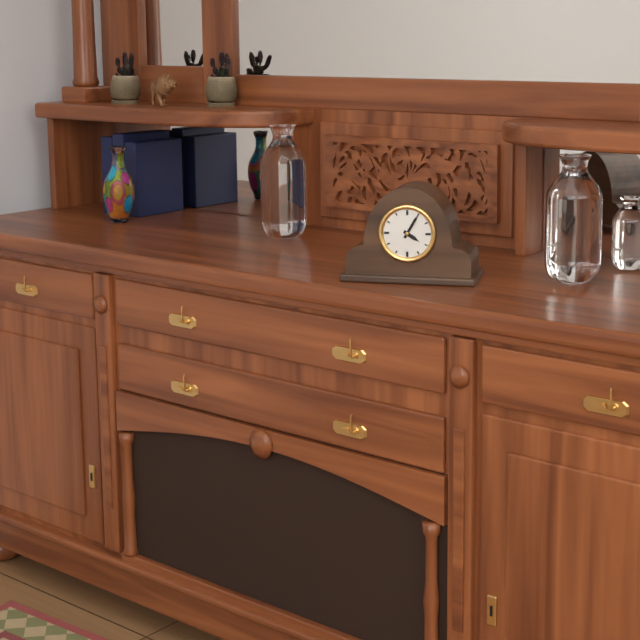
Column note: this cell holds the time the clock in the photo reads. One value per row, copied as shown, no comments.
4:05
